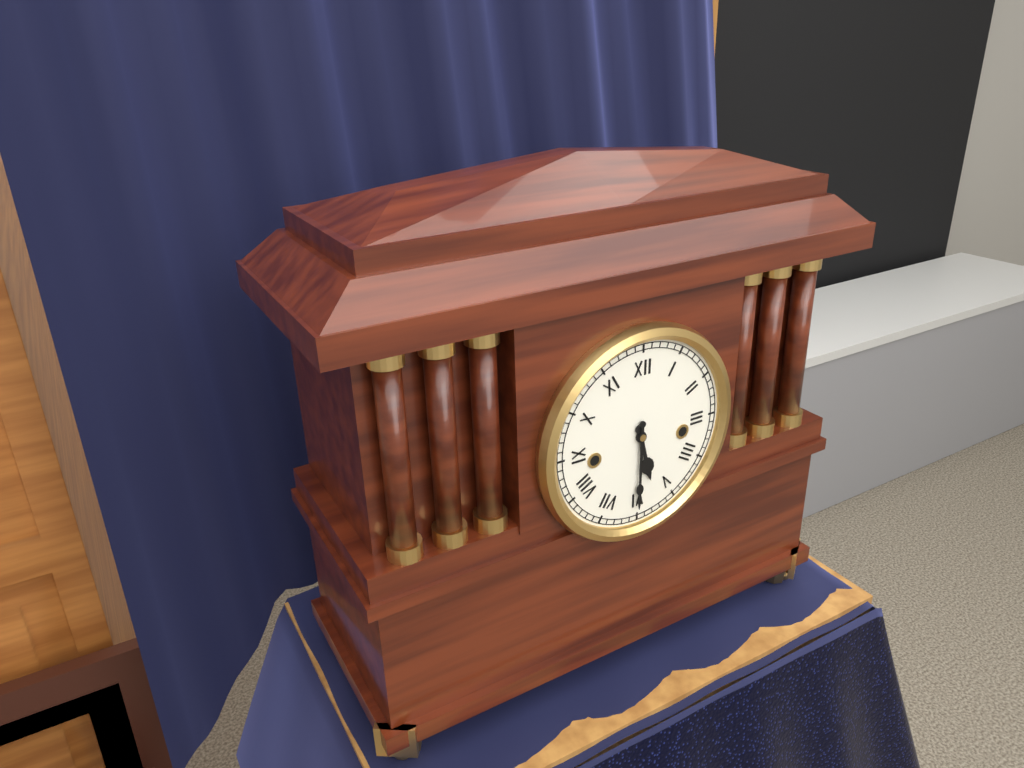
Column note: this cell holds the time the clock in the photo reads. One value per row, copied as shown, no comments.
5:30
